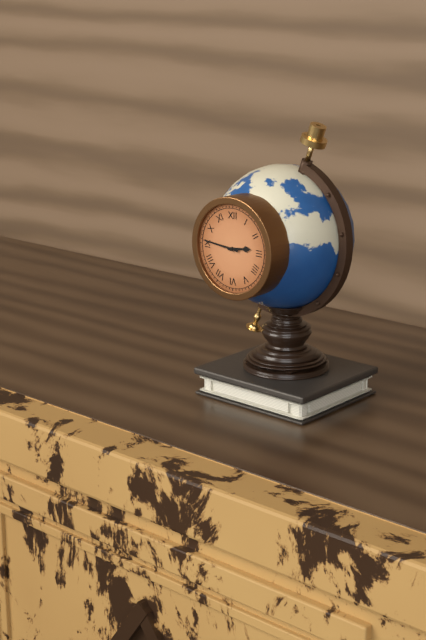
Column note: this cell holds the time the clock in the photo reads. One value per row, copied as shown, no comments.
2:46
